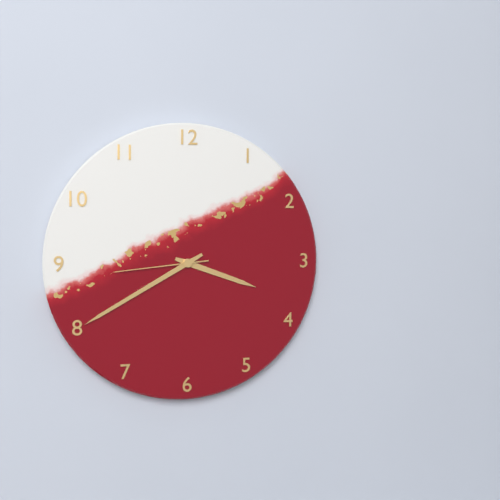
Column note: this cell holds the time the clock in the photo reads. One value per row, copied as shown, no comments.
3:40:44
